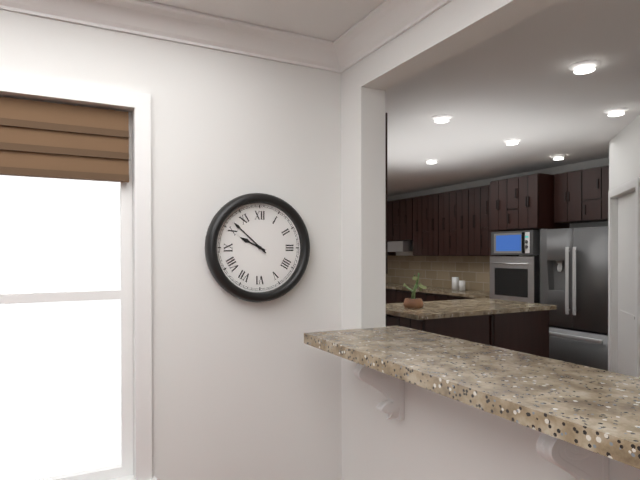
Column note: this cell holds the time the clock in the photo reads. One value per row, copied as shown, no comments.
9:52
